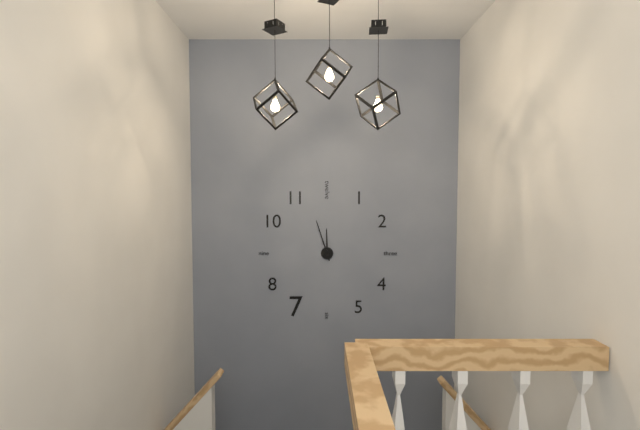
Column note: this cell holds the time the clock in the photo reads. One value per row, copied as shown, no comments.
11:57
